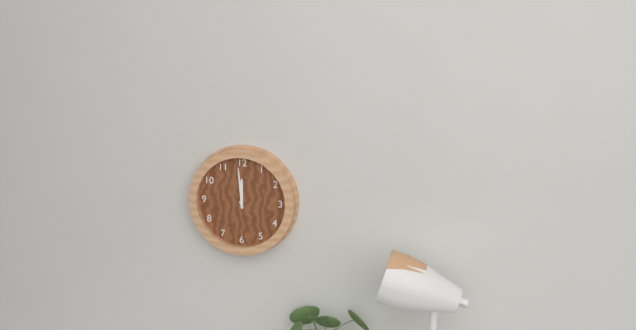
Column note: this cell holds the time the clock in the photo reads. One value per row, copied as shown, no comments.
11:59
